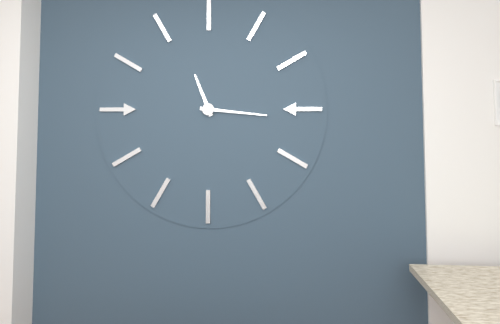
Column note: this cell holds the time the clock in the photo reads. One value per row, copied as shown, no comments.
11:16
